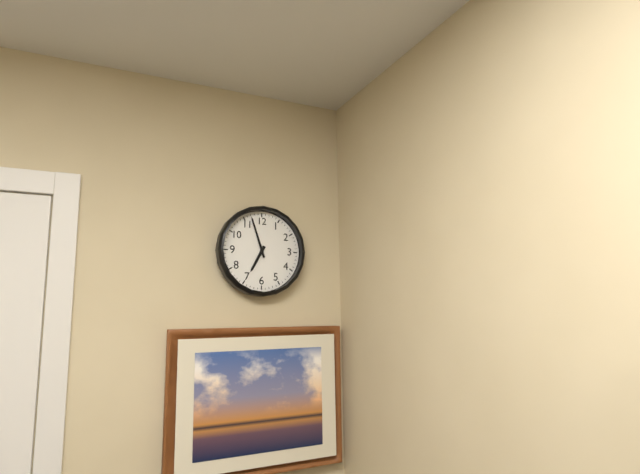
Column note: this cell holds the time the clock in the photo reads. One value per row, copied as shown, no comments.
6:57
